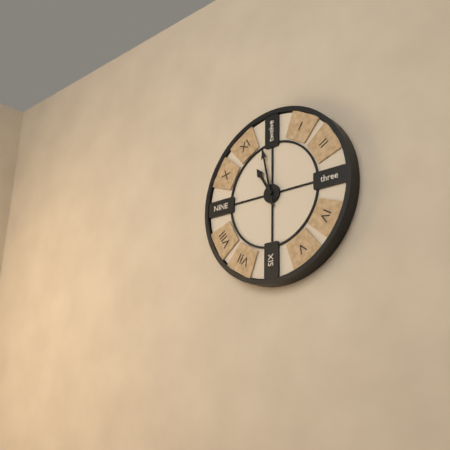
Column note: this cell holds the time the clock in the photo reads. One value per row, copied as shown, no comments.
10:58
